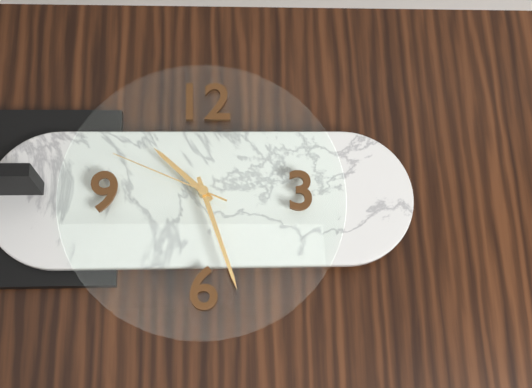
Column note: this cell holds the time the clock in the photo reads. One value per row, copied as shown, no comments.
10:27:49
